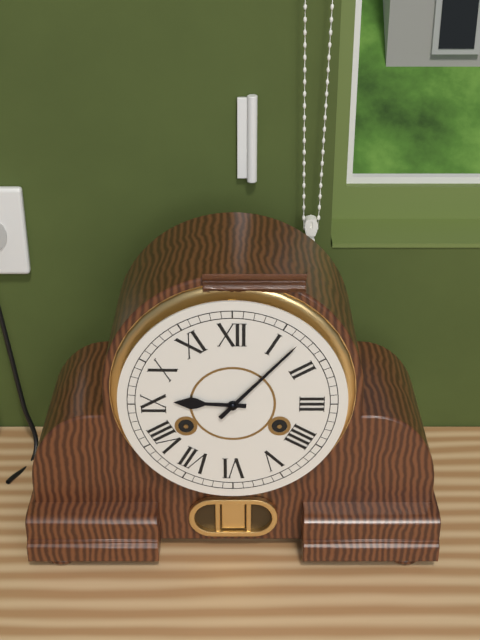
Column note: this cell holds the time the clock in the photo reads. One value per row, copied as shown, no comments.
9:07
